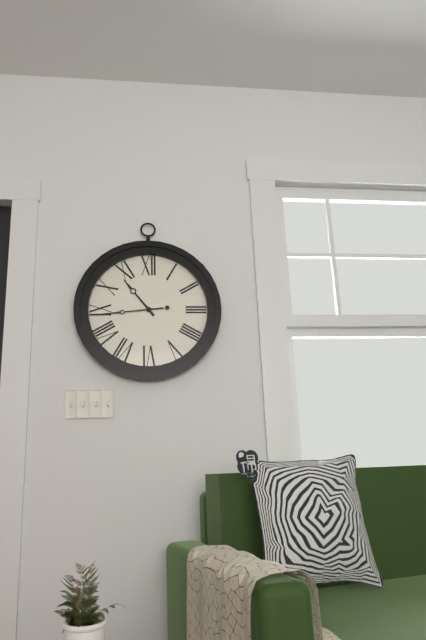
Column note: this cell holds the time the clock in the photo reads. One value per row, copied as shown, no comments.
10:44
